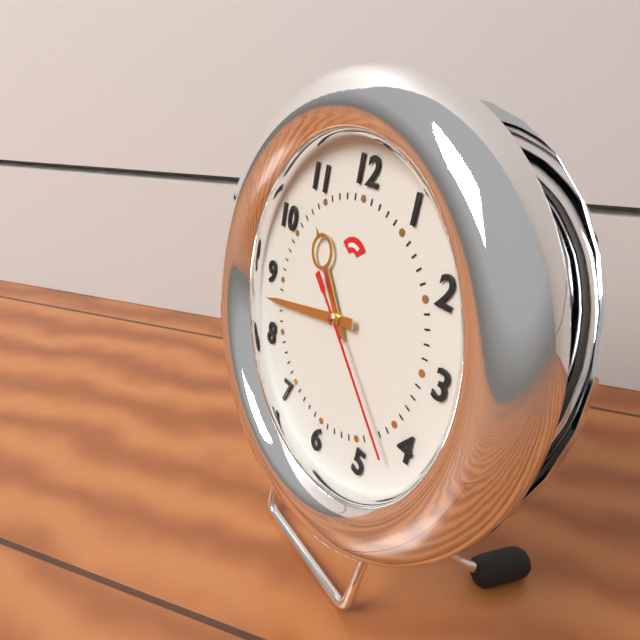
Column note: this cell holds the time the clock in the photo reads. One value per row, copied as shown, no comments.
10:43:22
